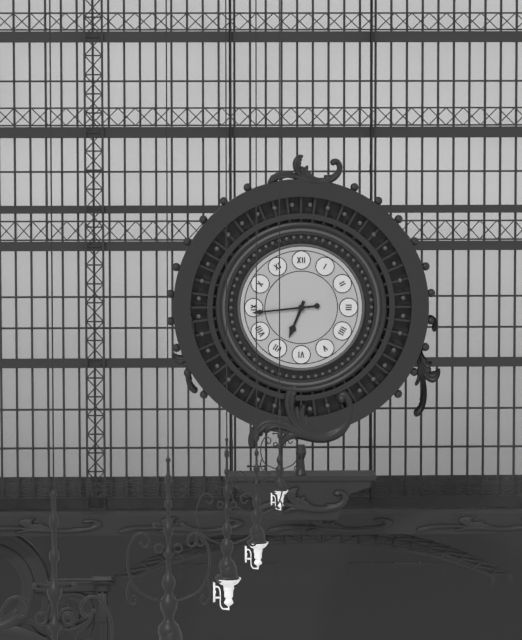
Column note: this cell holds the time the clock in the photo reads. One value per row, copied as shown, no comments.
6:44
